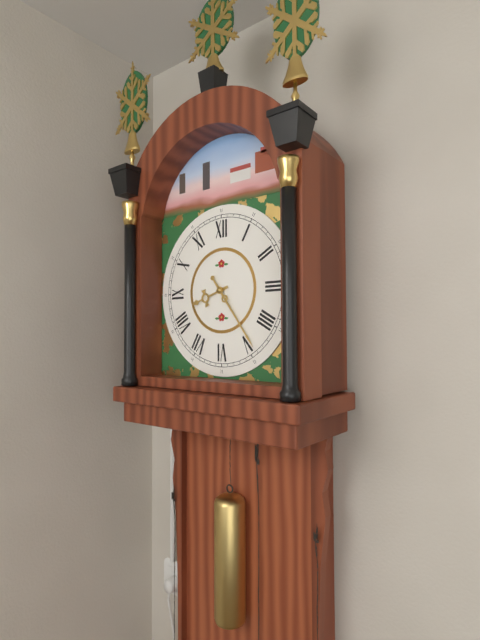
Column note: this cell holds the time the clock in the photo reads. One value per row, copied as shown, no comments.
8:24
